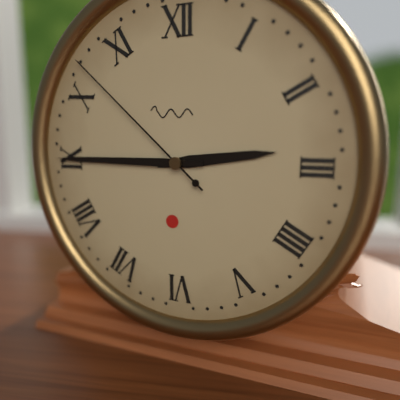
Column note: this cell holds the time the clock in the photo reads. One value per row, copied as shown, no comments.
2:45:52
